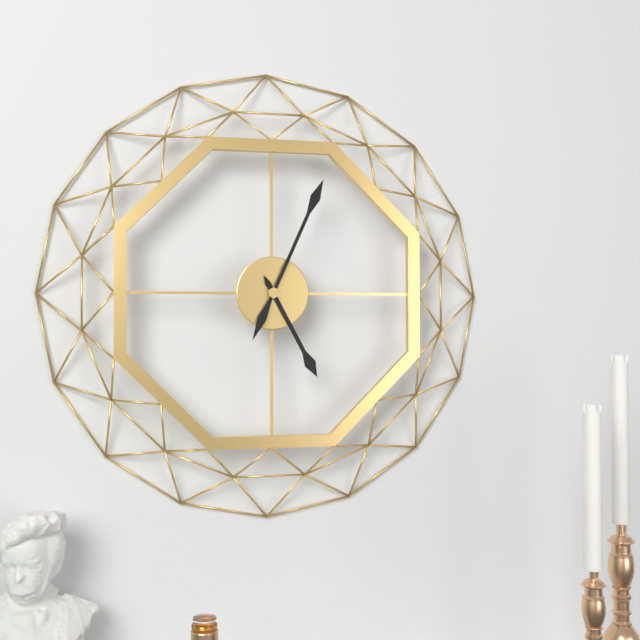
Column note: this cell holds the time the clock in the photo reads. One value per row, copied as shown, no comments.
5:04
